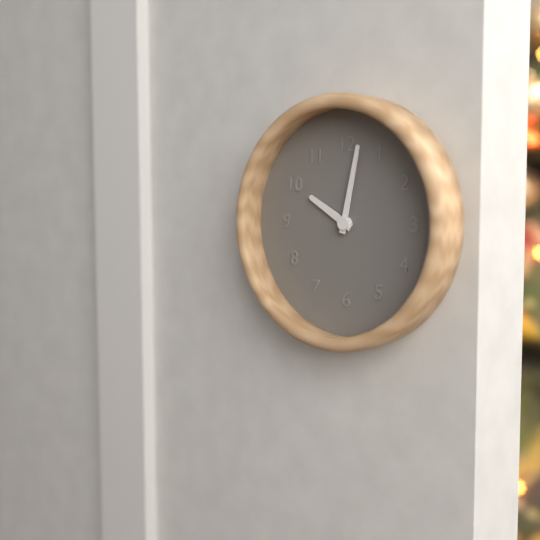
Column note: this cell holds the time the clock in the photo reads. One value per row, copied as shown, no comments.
10:02
